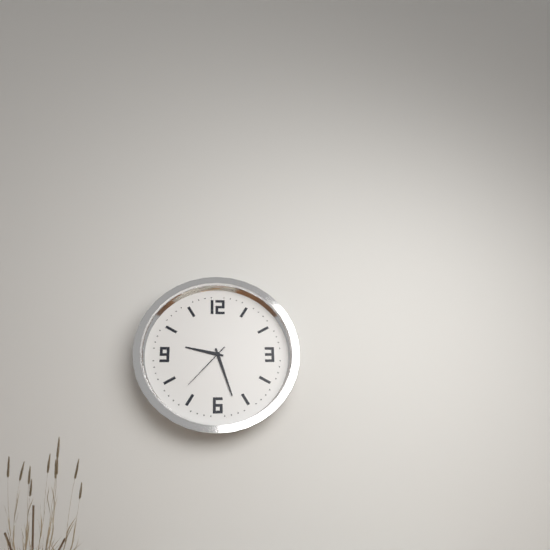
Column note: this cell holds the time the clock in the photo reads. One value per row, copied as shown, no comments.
9:27:37
